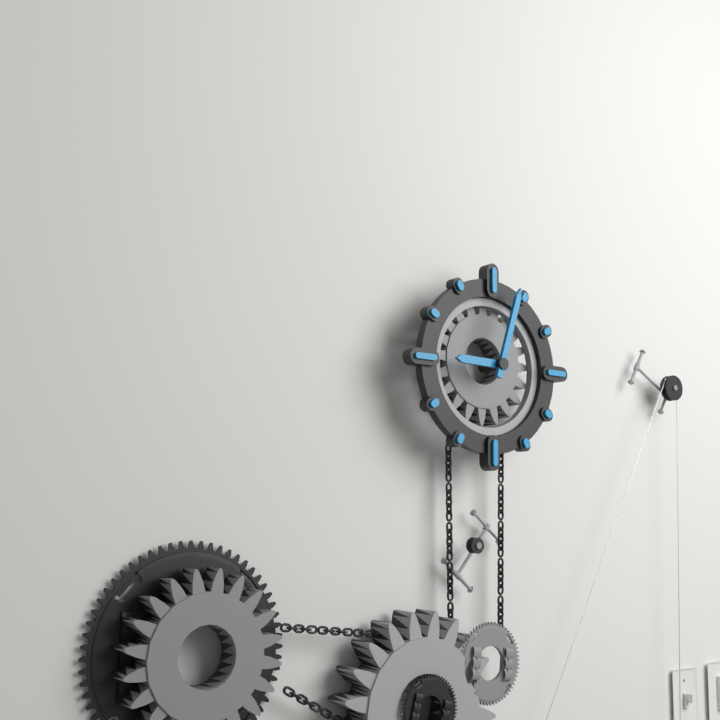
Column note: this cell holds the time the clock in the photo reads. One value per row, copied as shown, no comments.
9:03
